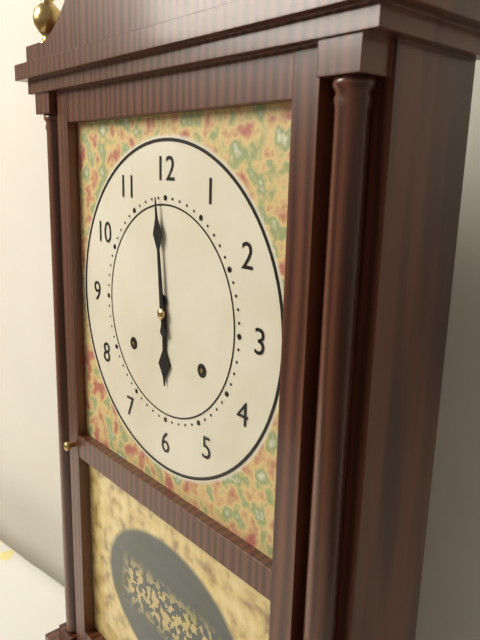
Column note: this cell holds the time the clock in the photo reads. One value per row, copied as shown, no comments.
5:59
